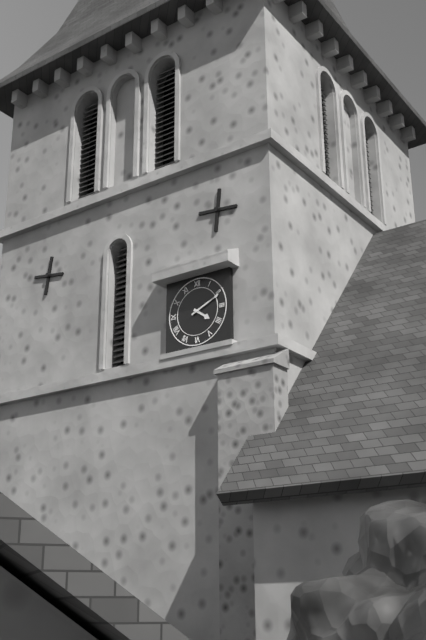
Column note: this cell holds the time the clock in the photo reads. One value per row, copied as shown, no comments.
4:11
